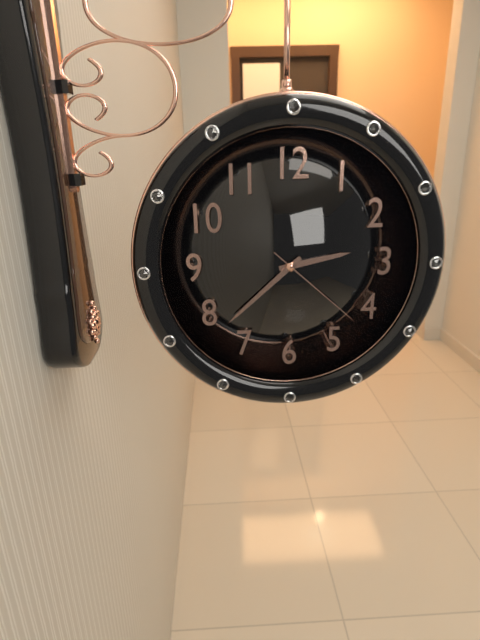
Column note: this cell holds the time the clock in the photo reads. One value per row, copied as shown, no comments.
2:38:22
